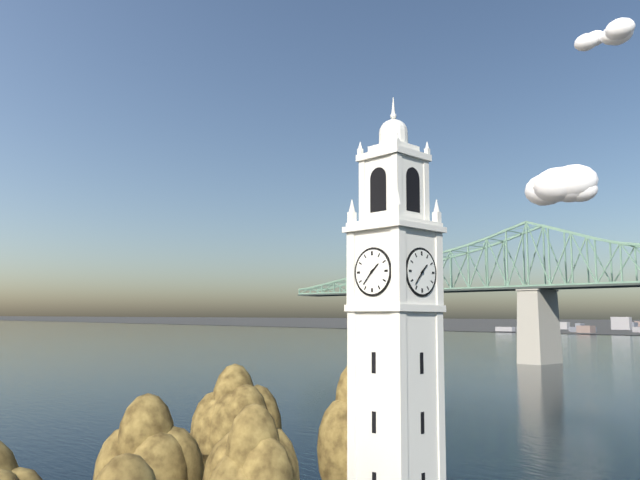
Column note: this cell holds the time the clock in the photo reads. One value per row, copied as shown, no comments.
1:37
